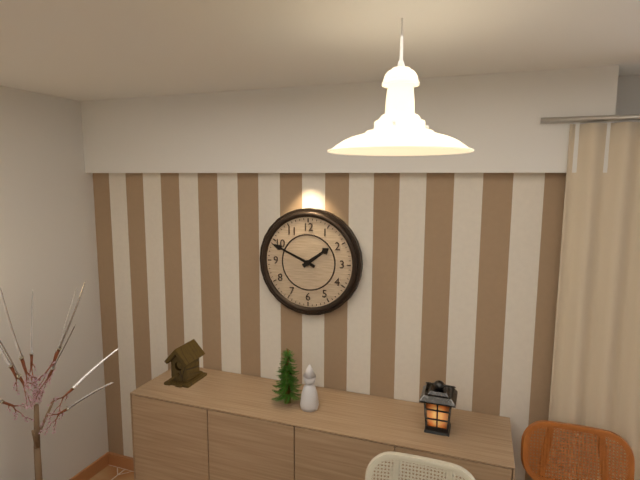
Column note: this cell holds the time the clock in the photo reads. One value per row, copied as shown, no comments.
1:49
